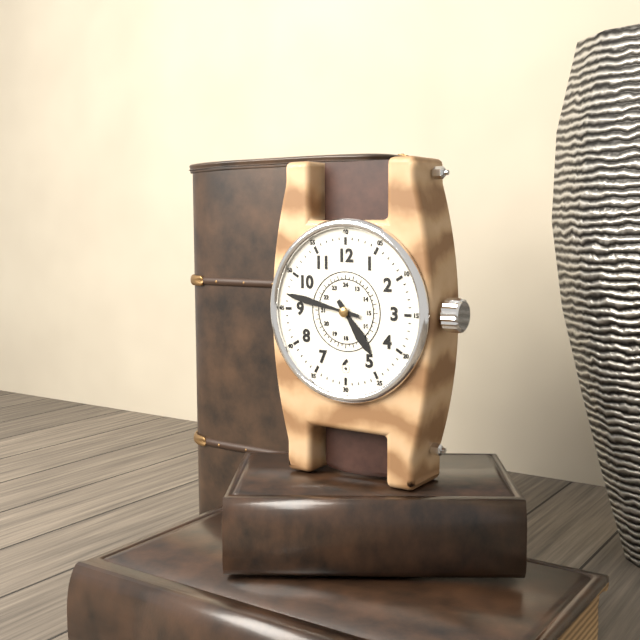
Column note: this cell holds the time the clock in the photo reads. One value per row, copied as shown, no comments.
4:47
